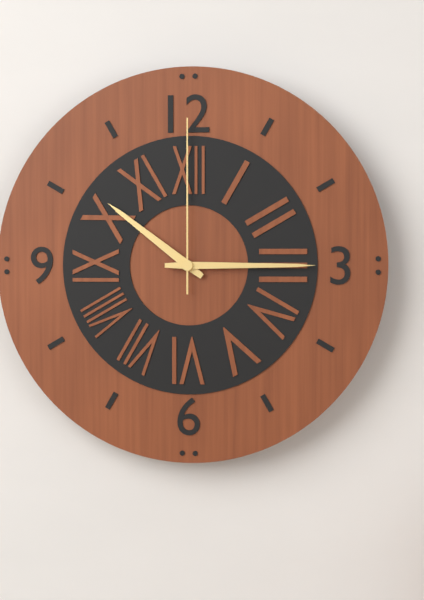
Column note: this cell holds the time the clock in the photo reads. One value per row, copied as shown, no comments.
10:15:00
